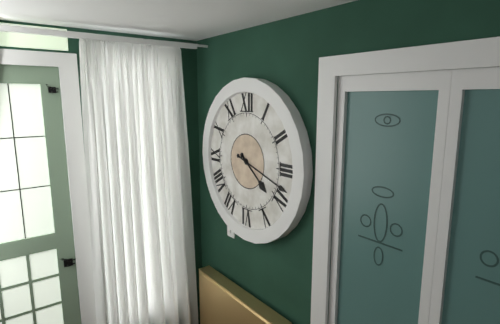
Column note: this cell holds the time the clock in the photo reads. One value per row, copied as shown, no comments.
4:18
